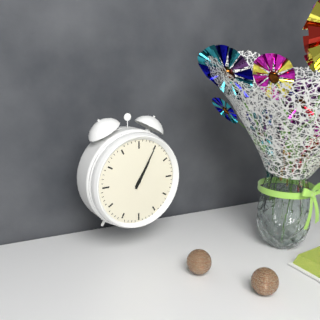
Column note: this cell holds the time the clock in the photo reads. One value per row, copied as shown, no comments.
1:05
